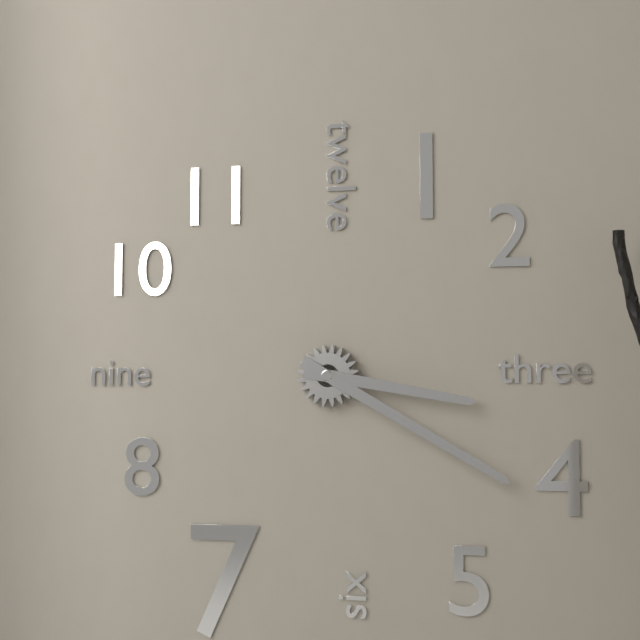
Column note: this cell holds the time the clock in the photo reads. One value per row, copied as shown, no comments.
3:20
